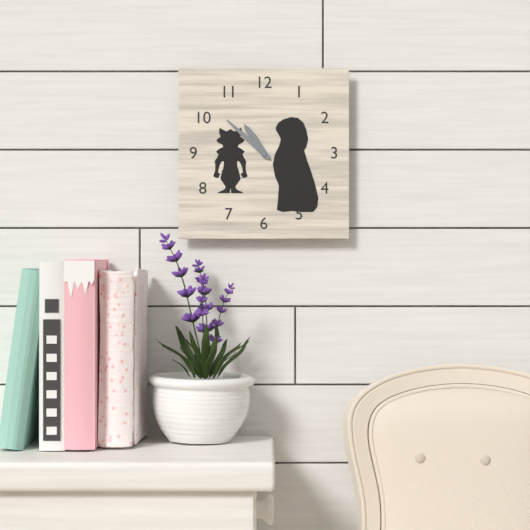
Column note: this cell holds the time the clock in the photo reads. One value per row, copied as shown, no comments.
10:52
